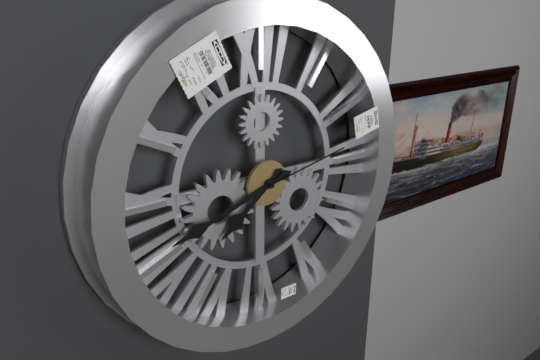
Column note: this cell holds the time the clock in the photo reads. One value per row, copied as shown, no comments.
7:42:13
